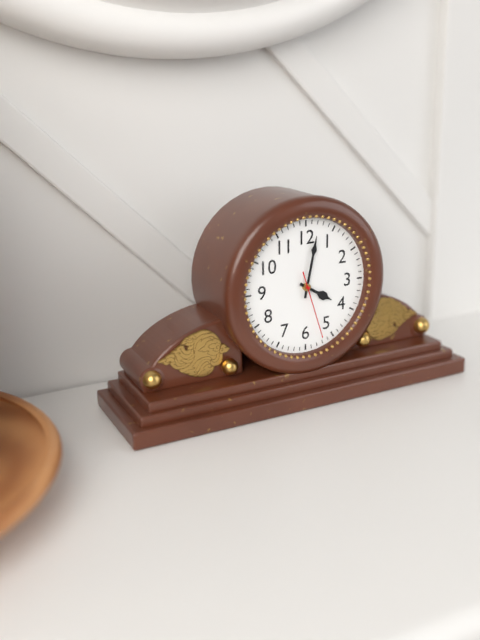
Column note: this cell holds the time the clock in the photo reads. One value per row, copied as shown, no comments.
4:02:27
